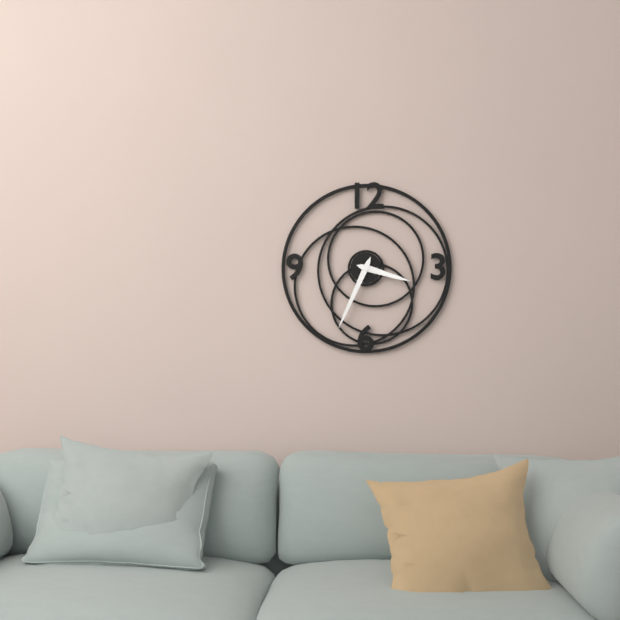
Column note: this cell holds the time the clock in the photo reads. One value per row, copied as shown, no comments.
3:34
